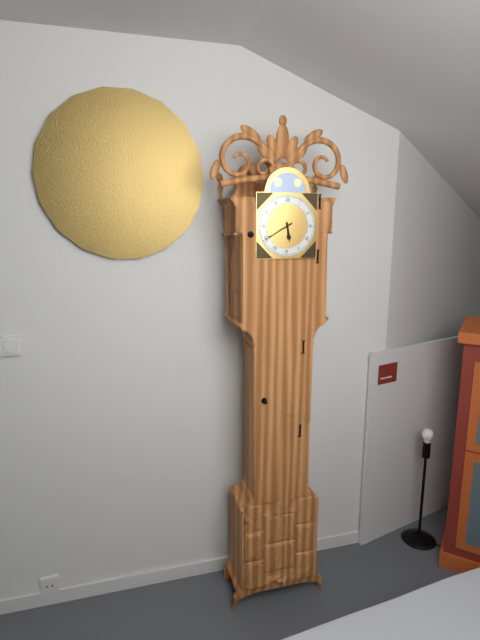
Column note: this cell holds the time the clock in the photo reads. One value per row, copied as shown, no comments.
5:40
